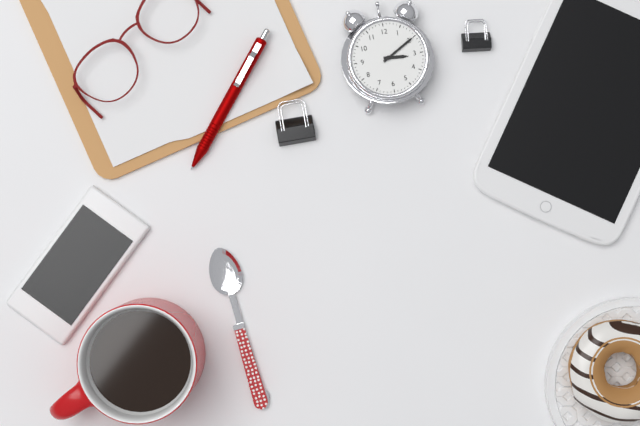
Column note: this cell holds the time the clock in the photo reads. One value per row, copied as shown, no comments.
3:10
